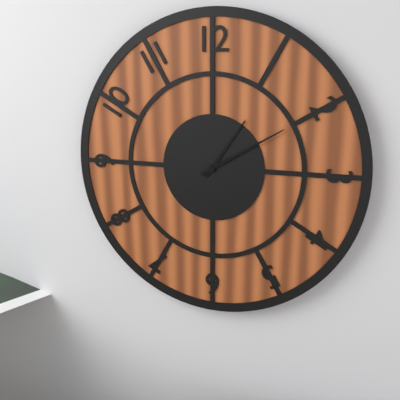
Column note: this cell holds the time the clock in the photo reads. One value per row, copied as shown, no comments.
1:10
